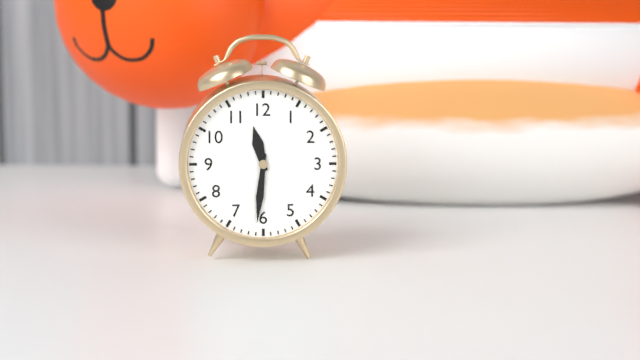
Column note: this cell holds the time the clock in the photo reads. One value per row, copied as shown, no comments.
11:31
